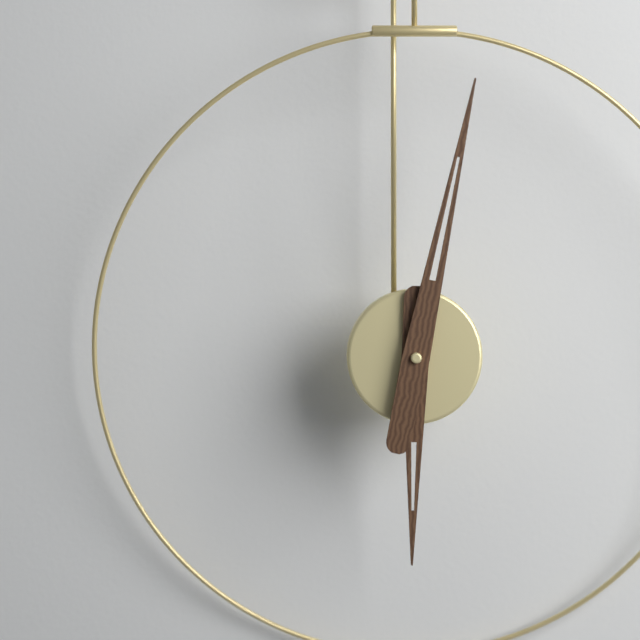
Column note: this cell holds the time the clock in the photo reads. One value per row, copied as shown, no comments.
6:02
